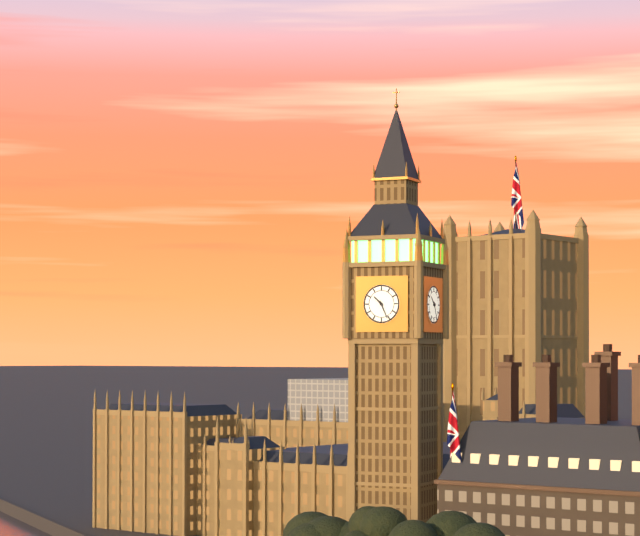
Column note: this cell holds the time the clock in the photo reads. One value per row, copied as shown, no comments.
10:26
